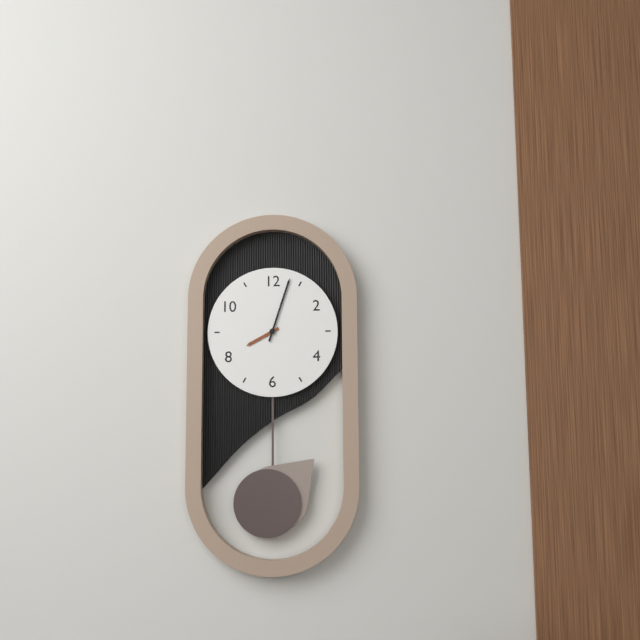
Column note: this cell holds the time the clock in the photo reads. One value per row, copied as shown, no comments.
8:03
